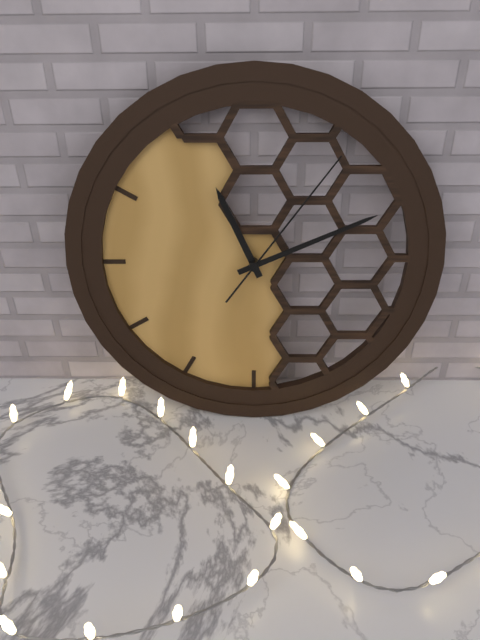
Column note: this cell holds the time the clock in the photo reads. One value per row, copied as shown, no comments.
11:11:06
